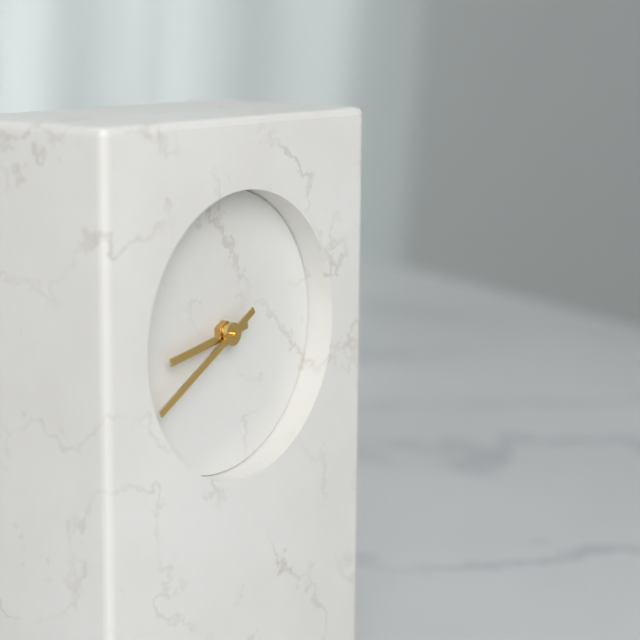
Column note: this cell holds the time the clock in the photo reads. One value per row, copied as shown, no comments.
8:40
